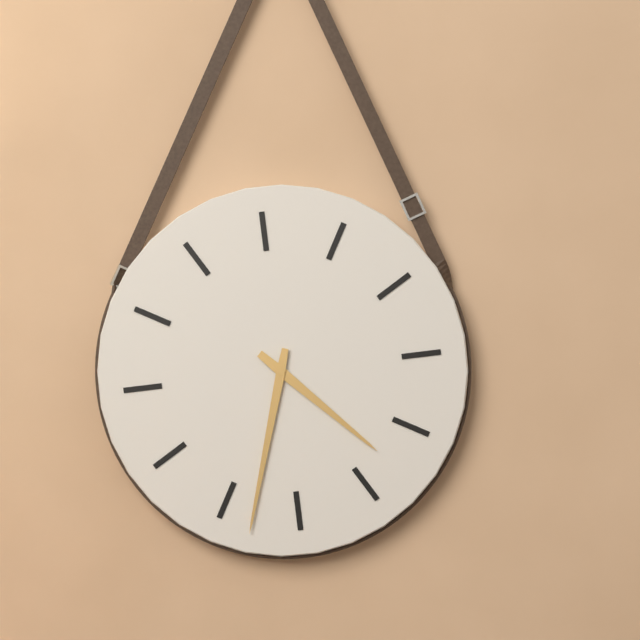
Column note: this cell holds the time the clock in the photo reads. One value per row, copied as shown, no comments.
4:33
